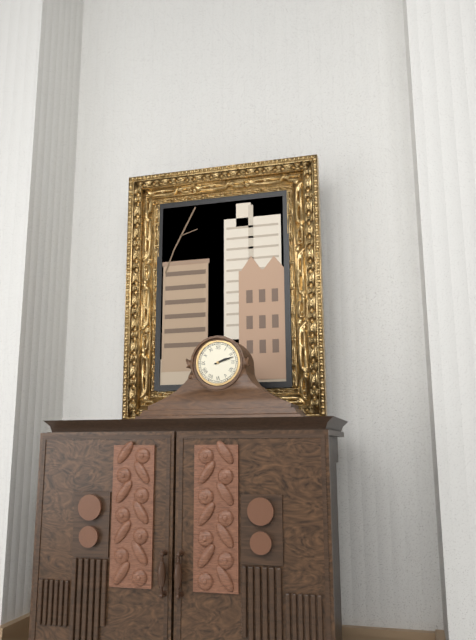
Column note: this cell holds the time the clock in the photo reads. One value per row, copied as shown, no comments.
2:12
